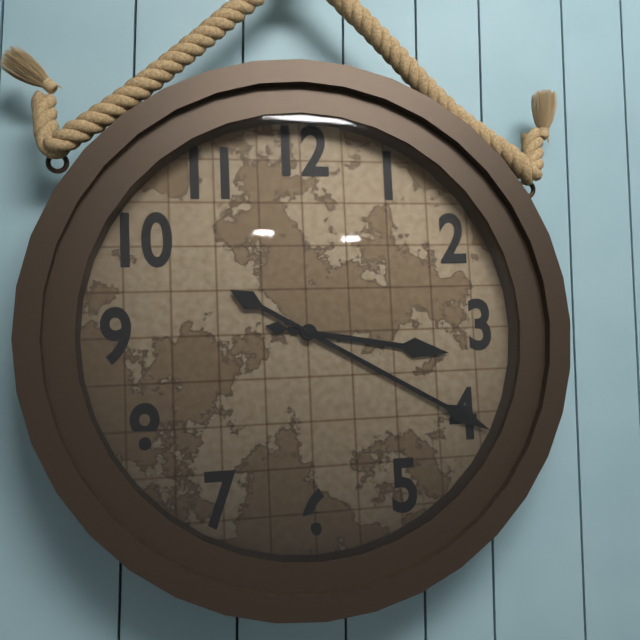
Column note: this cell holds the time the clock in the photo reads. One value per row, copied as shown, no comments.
3:20
